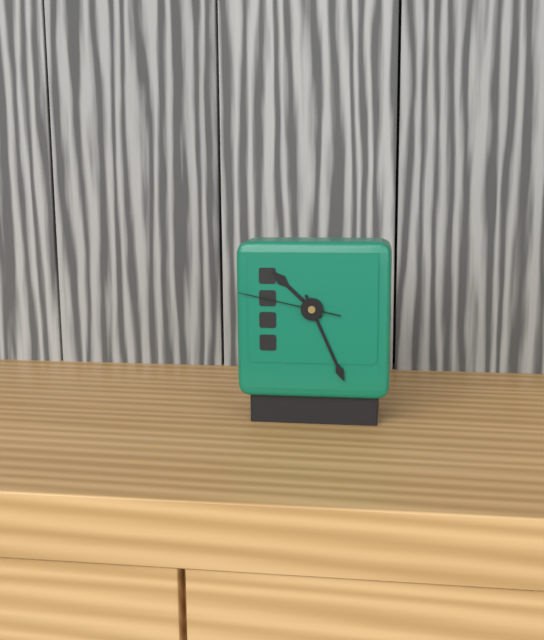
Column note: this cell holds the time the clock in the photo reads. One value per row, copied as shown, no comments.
10:26:47
